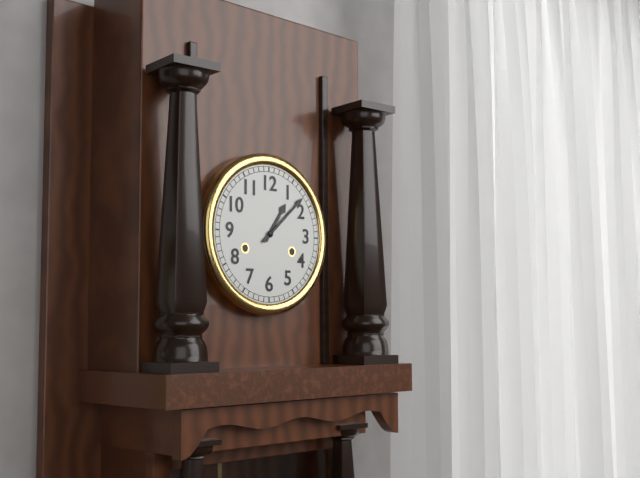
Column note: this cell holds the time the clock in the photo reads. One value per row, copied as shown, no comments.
1:08
